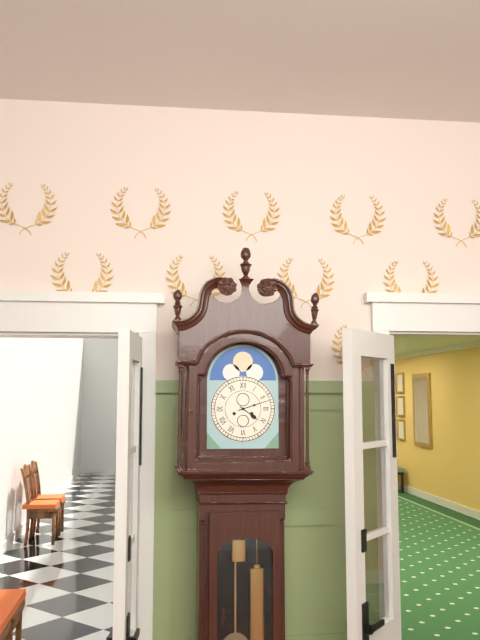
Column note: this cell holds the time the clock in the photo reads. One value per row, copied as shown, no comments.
4:12
